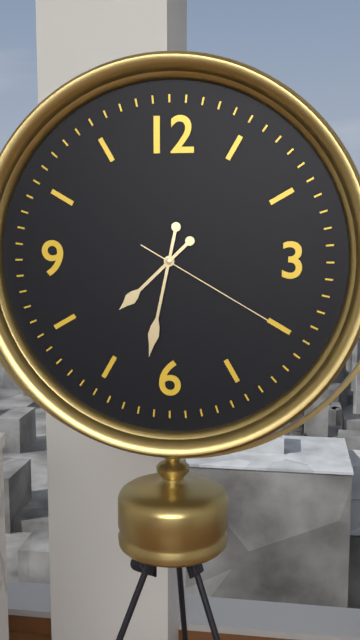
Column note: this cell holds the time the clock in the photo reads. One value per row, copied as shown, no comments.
7:32:20
